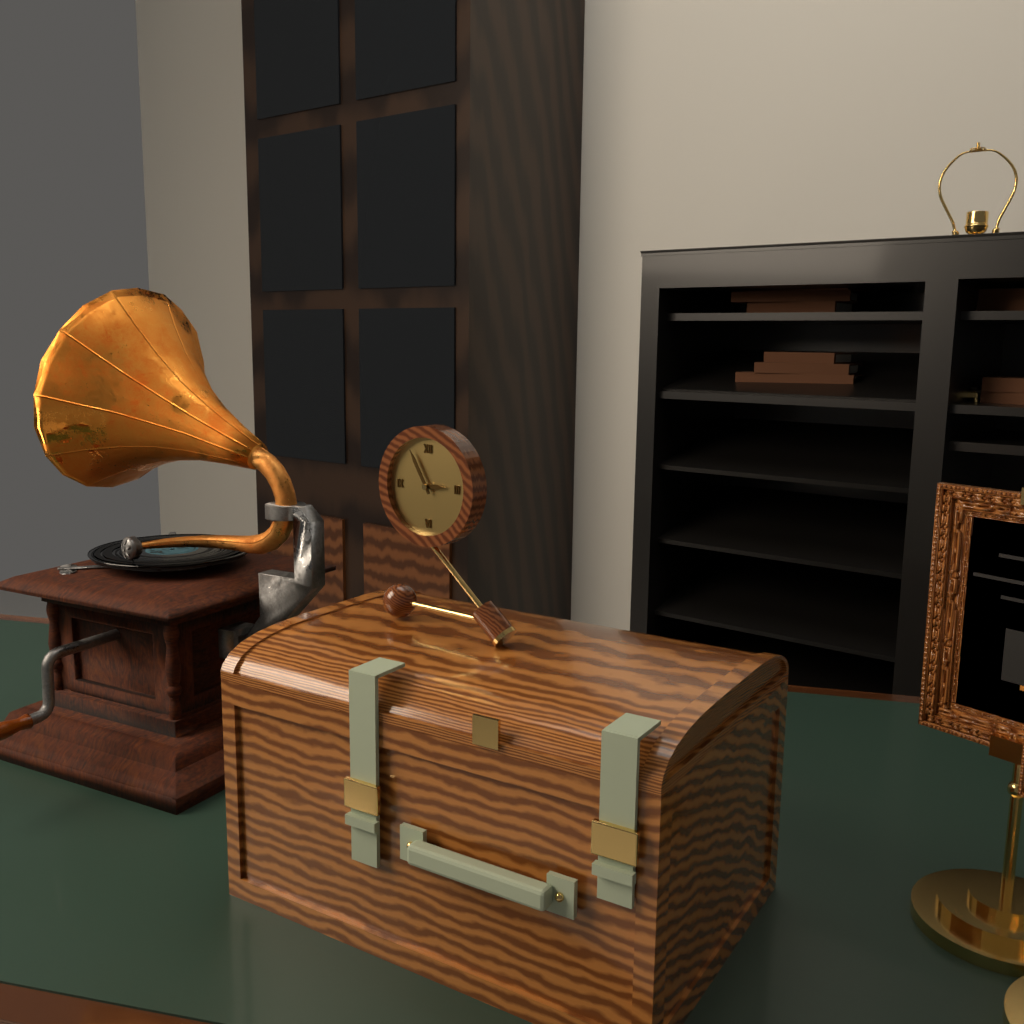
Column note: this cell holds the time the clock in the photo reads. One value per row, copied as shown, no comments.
2:55
